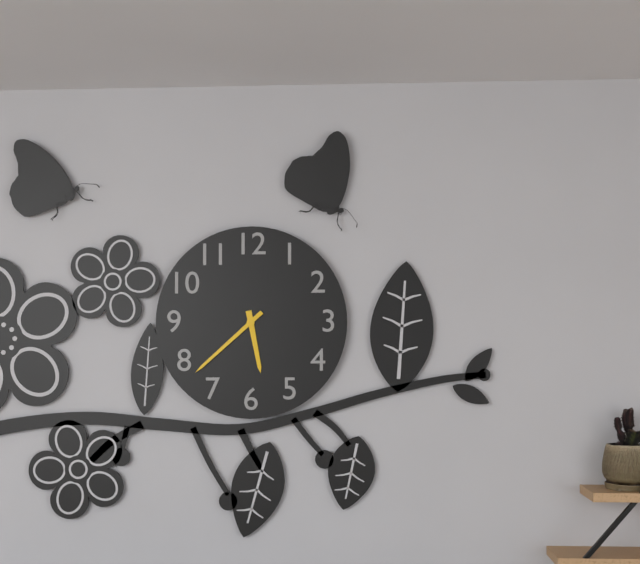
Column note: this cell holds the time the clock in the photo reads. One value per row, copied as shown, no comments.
5:38
